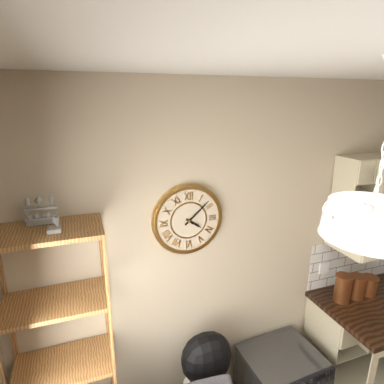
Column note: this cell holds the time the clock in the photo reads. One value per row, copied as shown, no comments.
4:08
